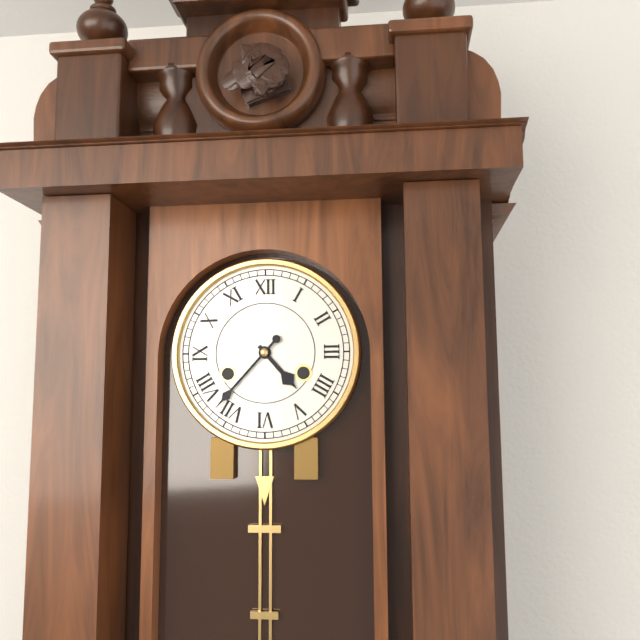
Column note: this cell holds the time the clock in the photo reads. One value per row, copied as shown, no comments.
4:37
